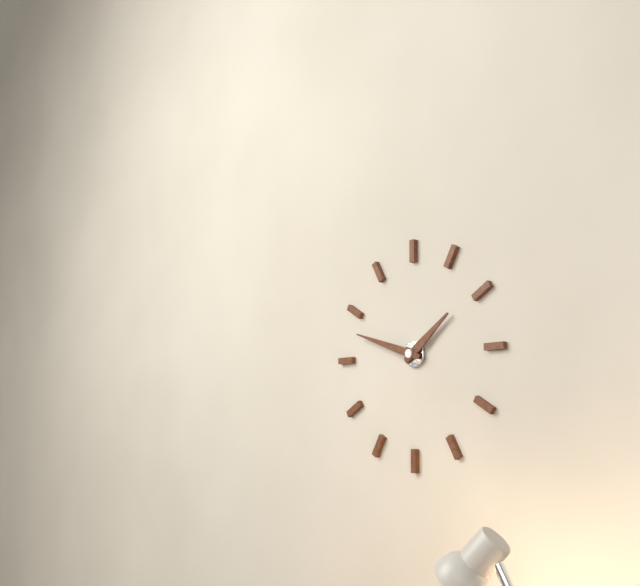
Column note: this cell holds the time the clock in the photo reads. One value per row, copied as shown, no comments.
1:48
